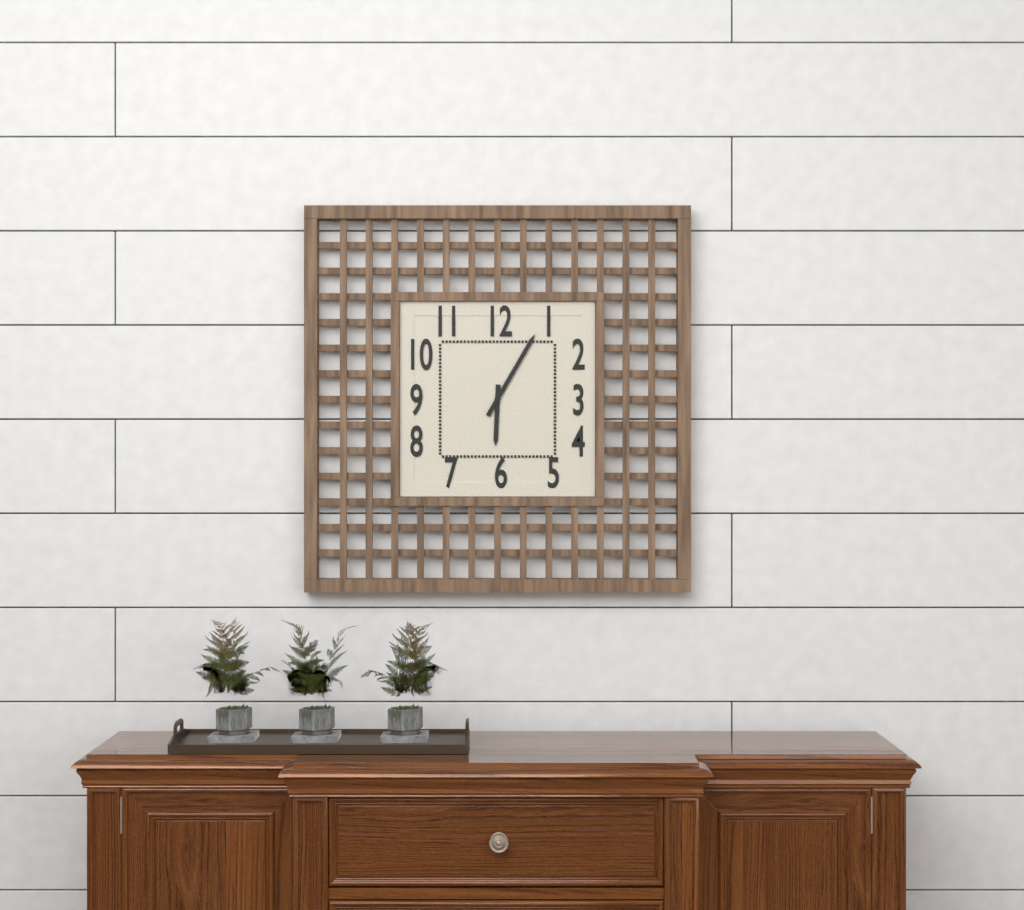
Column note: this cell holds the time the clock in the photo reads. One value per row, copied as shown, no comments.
6:05
